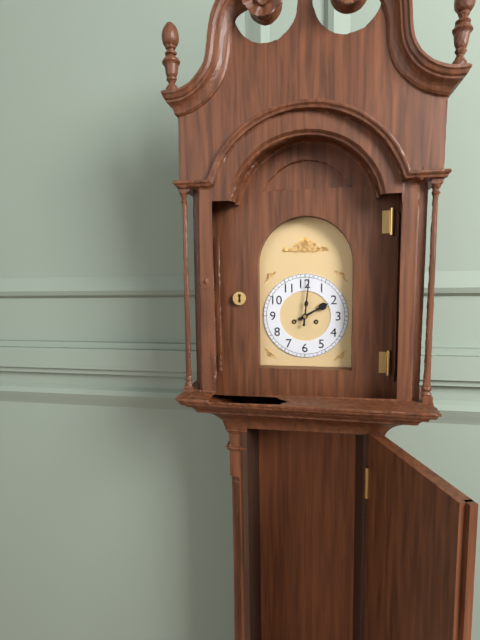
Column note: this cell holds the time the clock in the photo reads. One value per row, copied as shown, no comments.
2:01
